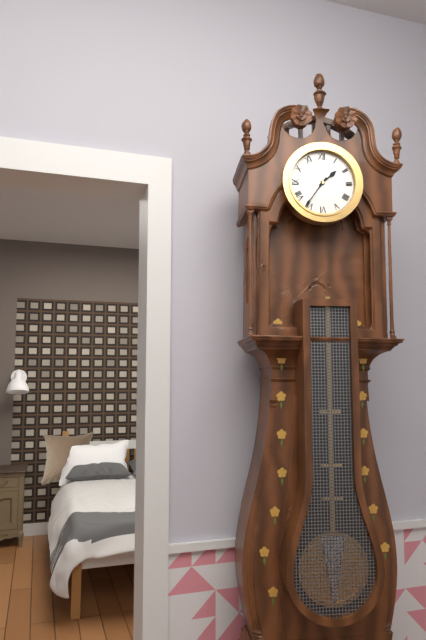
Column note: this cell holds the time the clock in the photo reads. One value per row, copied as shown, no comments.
1:36
